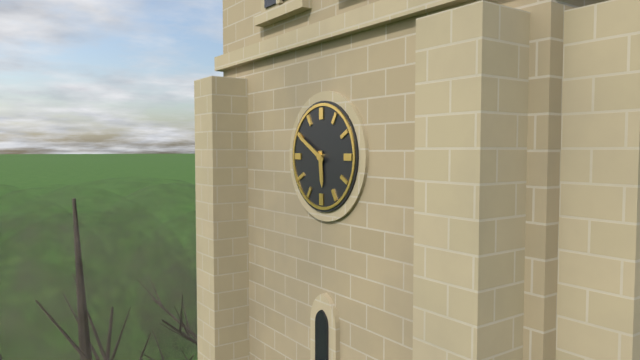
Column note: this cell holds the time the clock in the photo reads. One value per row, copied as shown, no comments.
5:50
